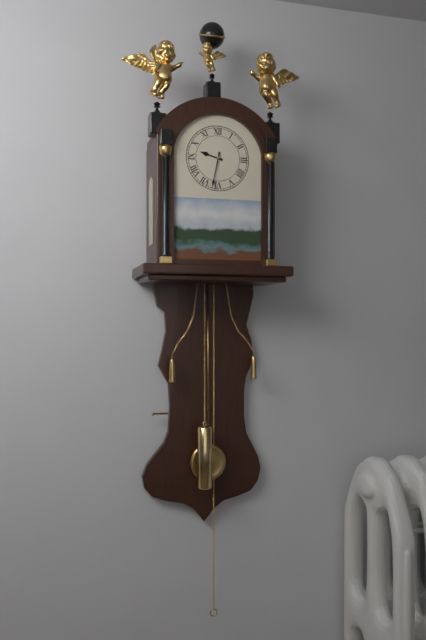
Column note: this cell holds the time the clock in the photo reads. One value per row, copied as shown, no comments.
9:32
